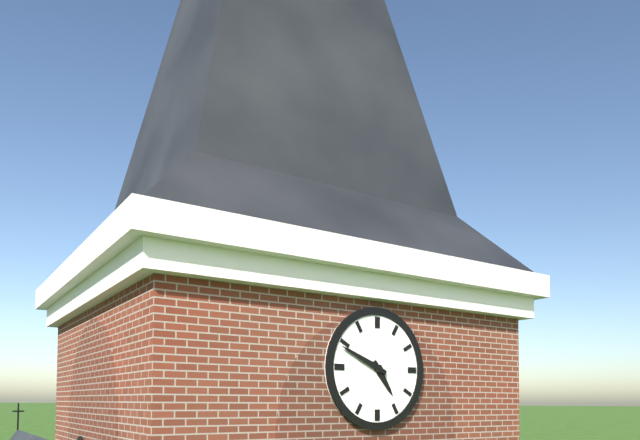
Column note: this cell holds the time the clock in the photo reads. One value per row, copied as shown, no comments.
4:49
